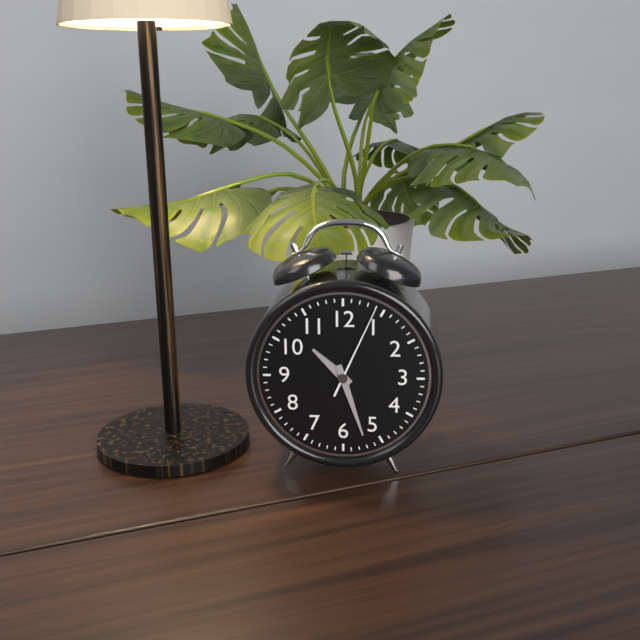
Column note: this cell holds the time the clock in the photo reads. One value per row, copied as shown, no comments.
10:27:04
